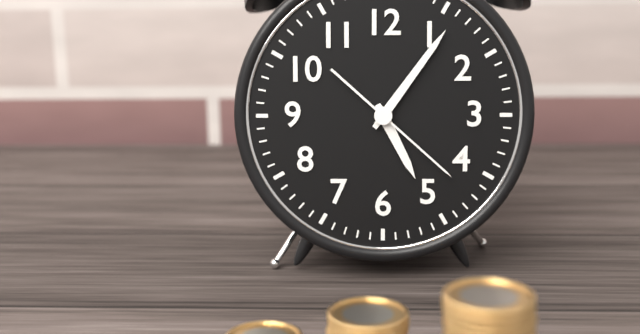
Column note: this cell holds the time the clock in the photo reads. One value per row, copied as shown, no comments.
5:06:22
